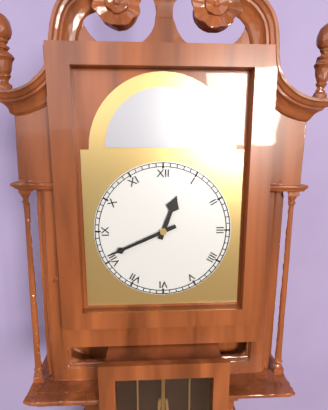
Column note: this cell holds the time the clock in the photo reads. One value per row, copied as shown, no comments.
12:41
